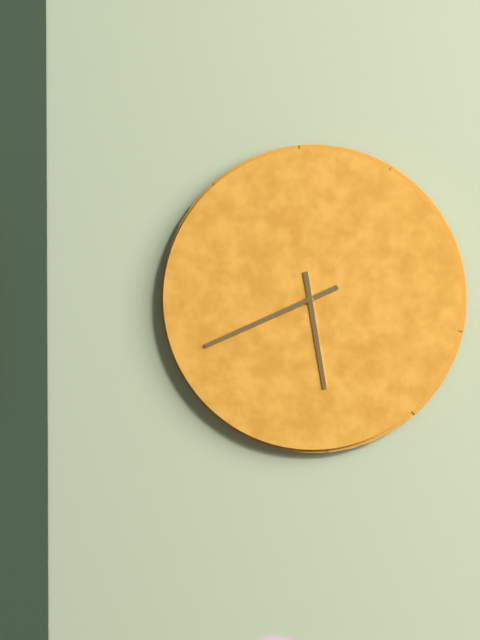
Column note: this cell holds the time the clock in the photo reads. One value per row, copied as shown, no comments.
5:41
